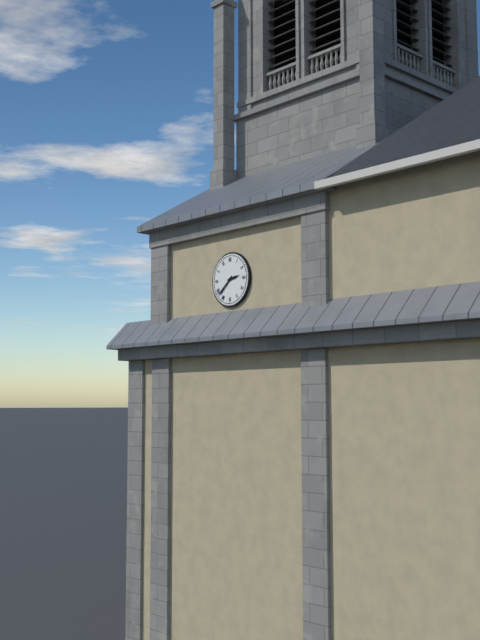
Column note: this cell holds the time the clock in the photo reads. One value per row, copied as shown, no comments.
2:38
